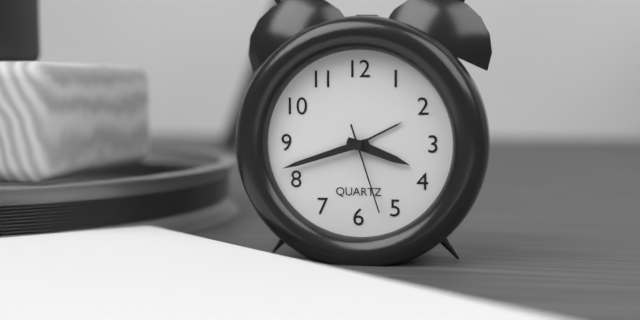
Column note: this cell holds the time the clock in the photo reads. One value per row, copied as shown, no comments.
3:42:27
